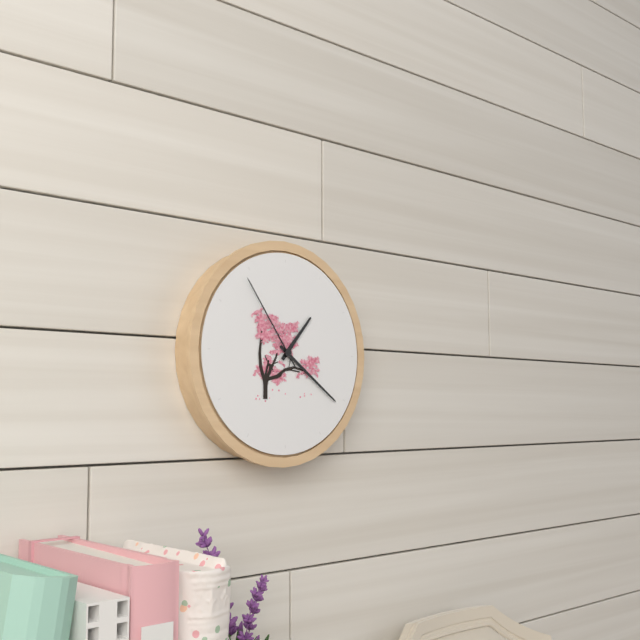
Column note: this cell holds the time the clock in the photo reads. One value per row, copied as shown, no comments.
1:21:54
